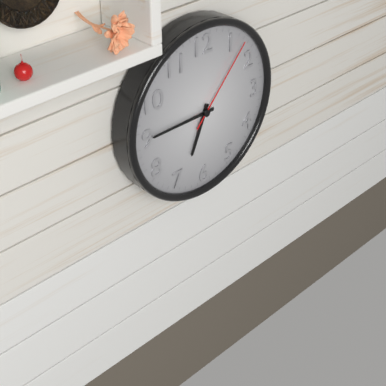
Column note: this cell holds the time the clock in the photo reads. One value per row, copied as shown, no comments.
6:45:07
